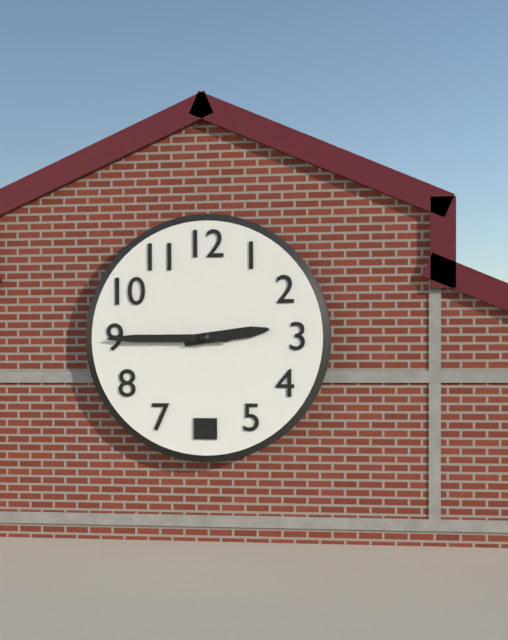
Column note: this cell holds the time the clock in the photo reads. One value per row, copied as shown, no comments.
2:45
